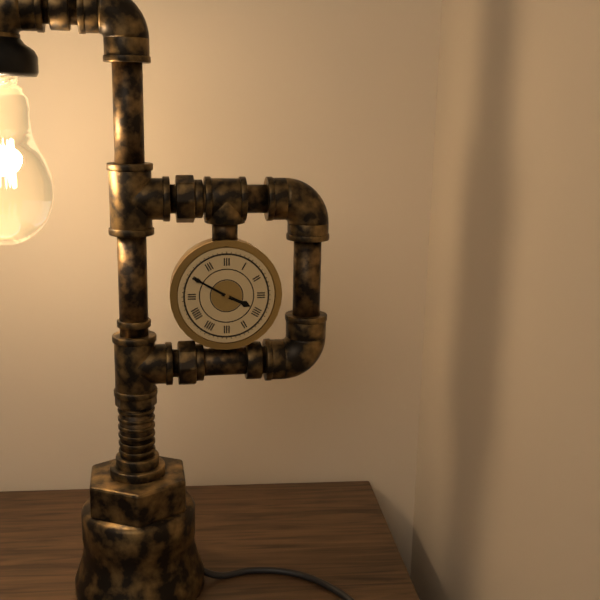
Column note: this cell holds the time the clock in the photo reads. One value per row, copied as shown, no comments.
3:50
